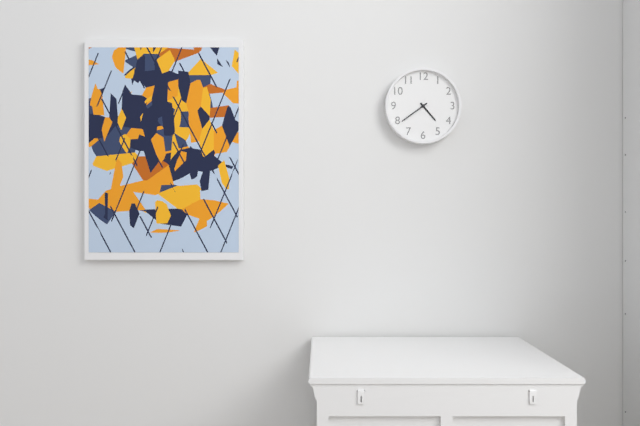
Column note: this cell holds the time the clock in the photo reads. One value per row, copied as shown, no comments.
4:39
